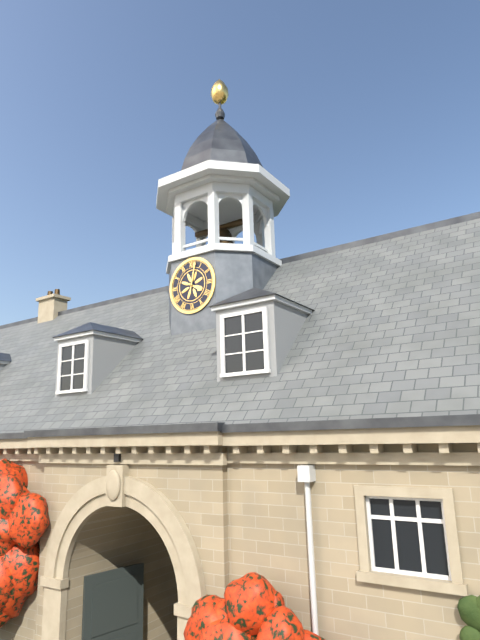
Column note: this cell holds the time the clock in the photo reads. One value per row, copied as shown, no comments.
4:02
